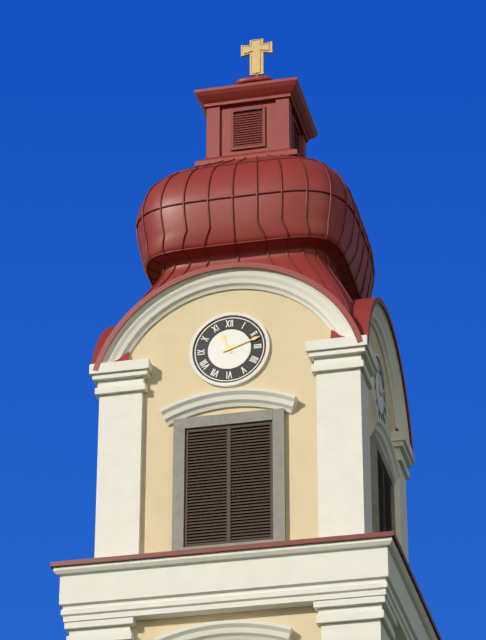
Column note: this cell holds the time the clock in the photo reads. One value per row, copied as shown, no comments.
11:12
